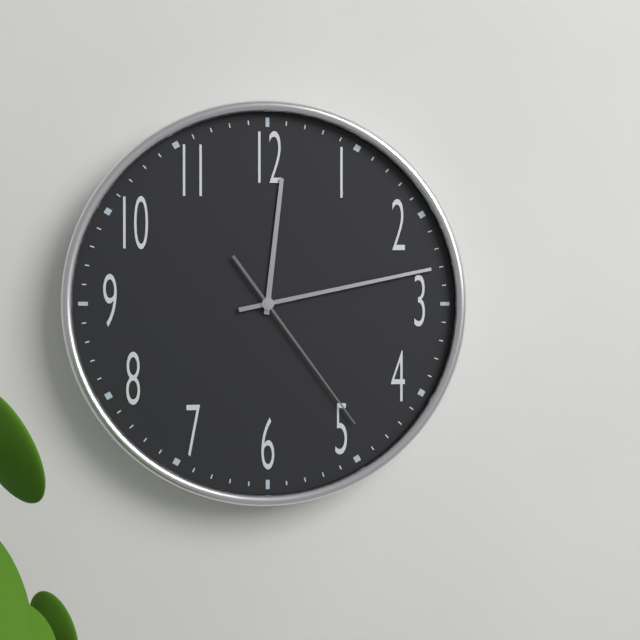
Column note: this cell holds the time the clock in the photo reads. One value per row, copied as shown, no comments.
12:13:24
